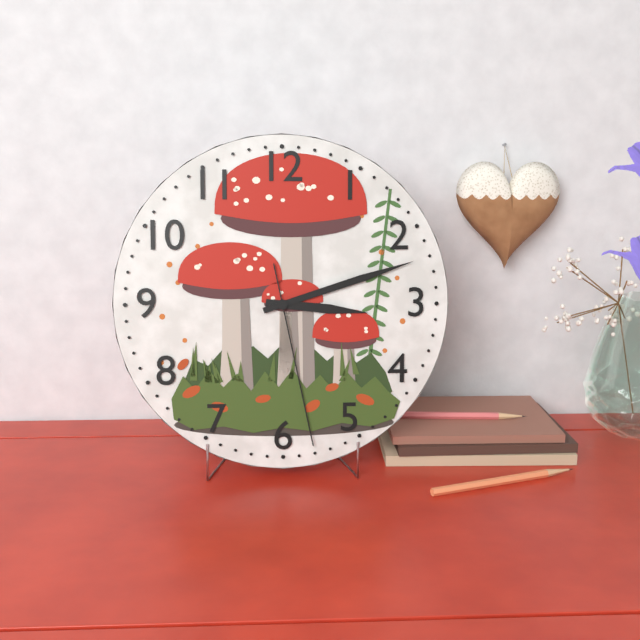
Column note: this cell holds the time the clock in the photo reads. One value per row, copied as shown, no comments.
3:12:28
